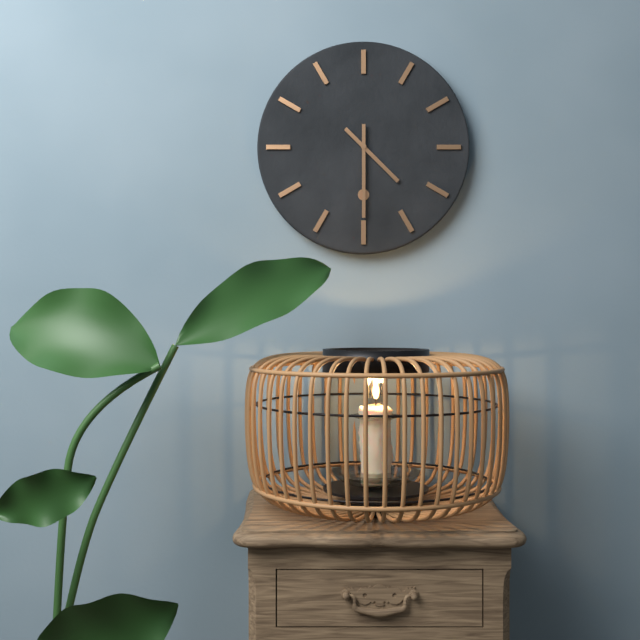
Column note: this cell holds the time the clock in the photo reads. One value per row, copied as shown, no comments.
4:30
